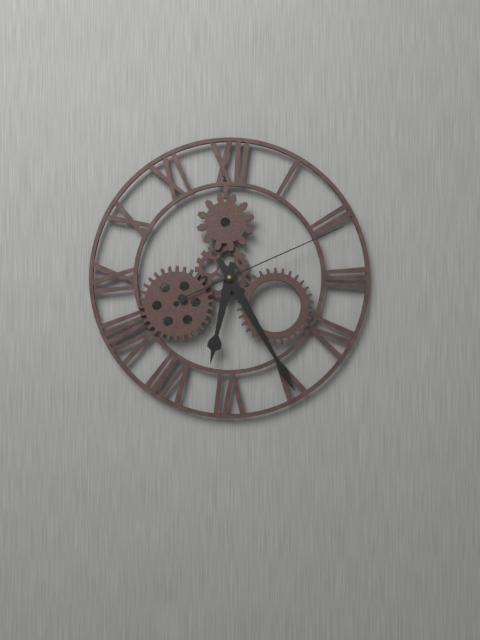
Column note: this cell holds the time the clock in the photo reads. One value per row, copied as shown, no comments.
6:25:11
